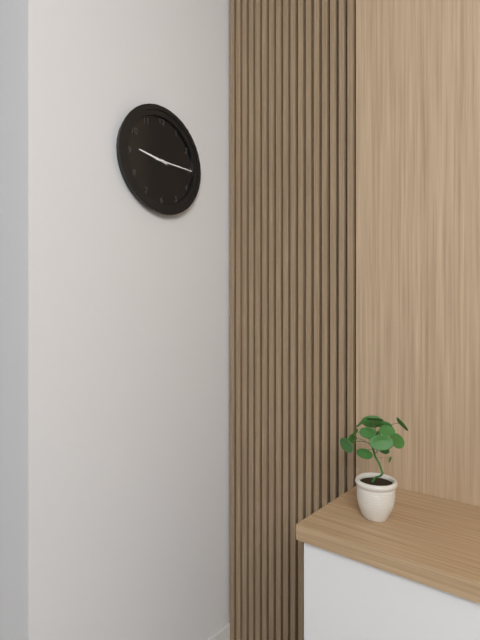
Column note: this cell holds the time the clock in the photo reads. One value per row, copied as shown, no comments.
9:15
